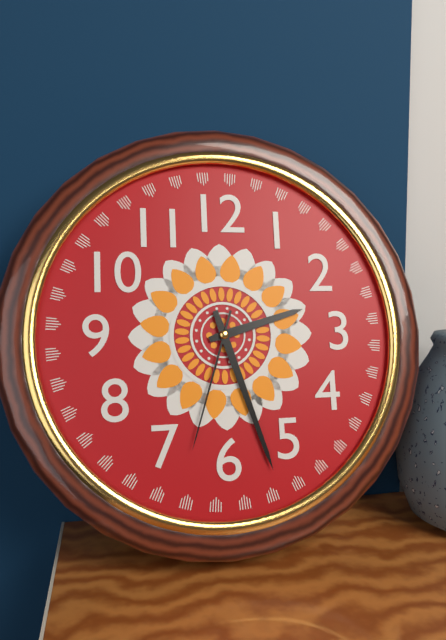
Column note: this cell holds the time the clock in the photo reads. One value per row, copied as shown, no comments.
2:27:33
